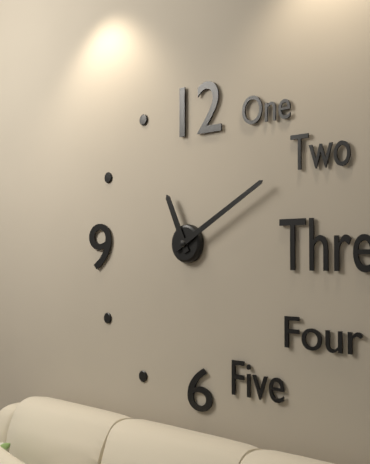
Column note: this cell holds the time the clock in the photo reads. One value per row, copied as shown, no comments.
11:10
